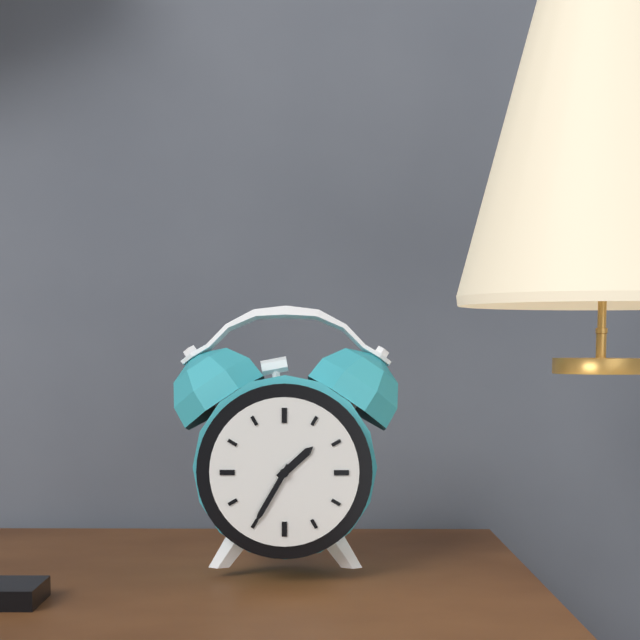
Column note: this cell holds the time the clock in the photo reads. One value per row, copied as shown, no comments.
1:35
